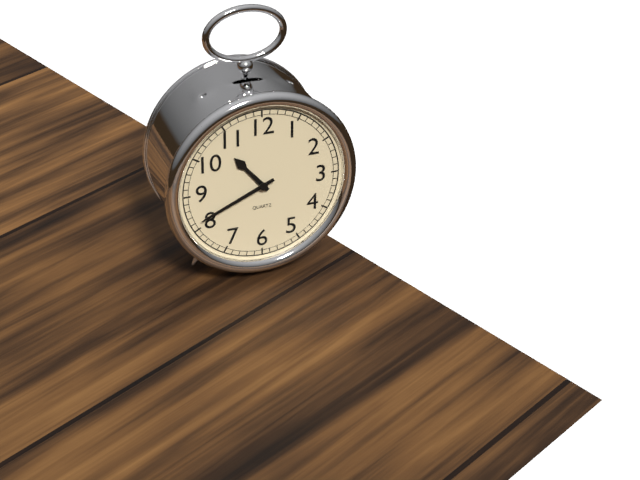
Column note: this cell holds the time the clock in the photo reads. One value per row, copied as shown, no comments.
10:41
